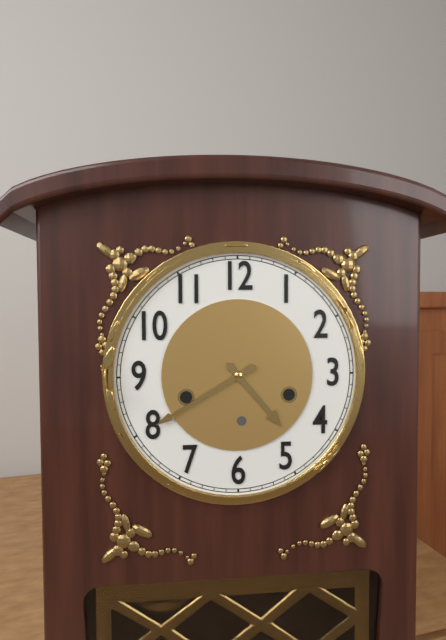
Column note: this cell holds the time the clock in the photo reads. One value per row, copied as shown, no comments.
4:40
